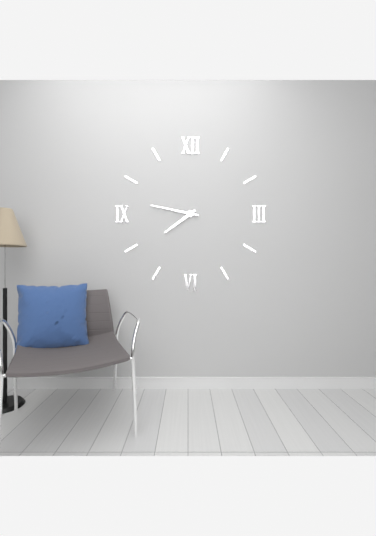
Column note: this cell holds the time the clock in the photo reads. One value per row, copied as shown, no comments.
7:47
